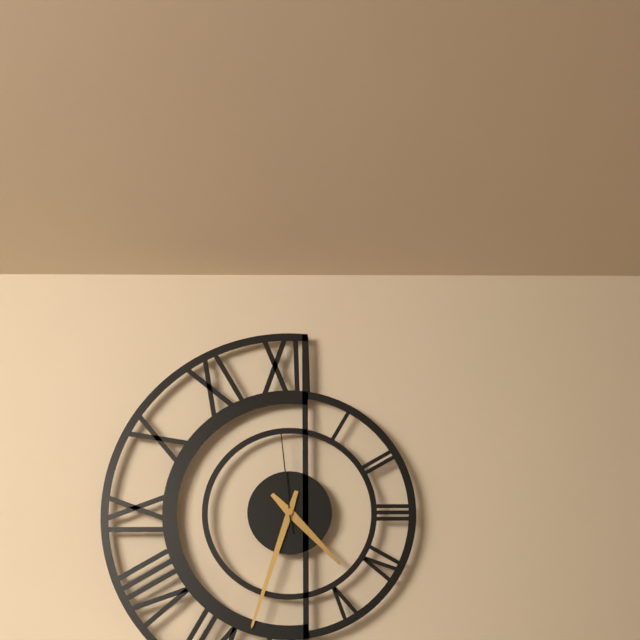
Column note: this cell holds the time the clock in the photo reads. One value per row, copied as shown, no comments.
4:33:59
